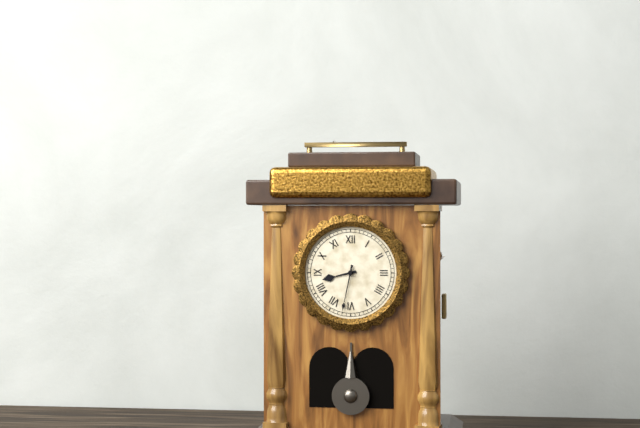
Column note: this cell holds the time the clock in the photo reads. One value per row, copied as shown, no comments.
8:32
